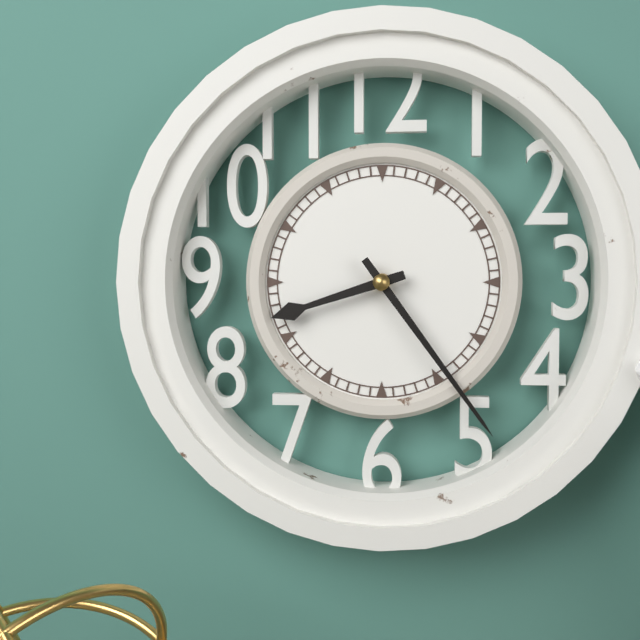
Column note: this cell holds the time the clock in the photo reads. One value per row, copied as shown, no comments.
8:24
